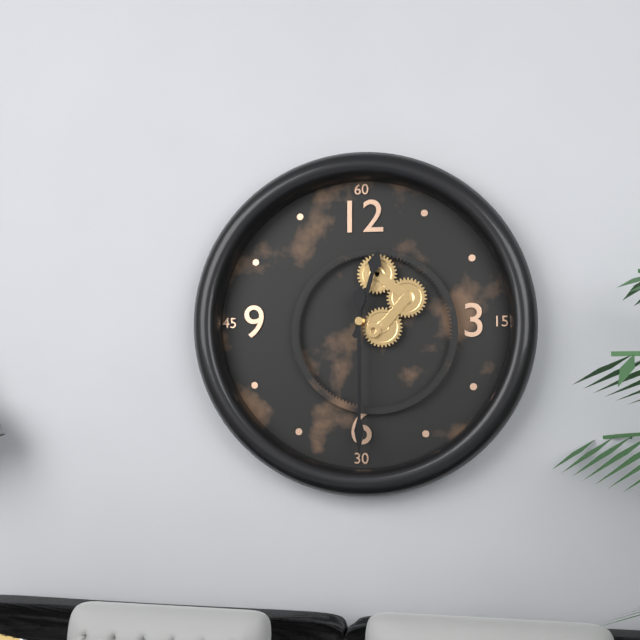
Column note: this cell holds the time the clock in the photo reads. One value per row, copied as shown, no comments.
12:30
